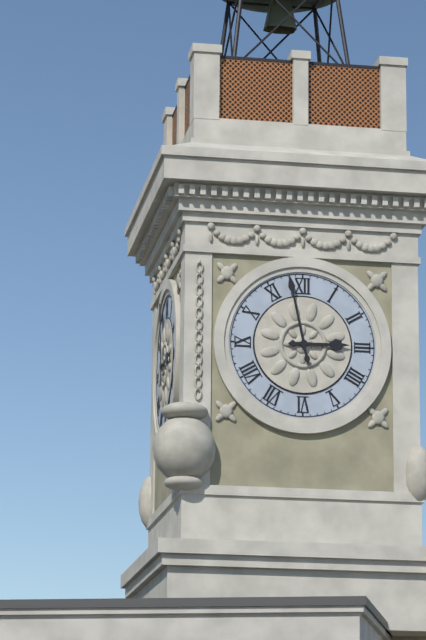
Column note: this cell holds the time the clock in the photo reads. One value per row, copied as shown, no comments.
2:58
